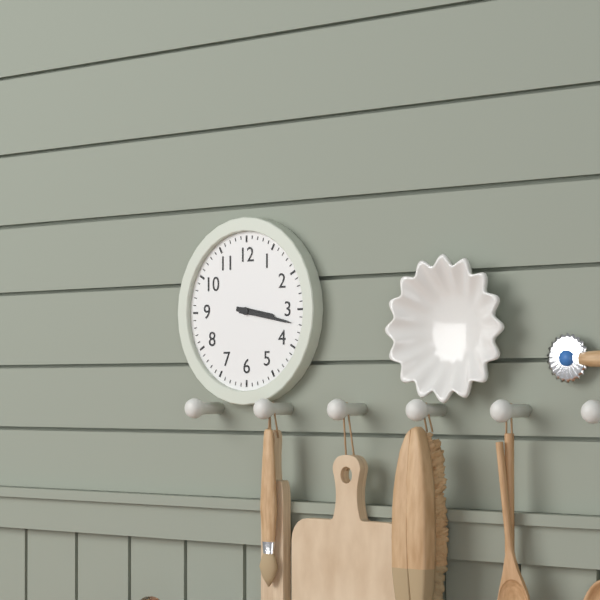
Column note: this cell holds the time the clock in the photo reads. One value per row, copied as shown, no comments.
3:17
